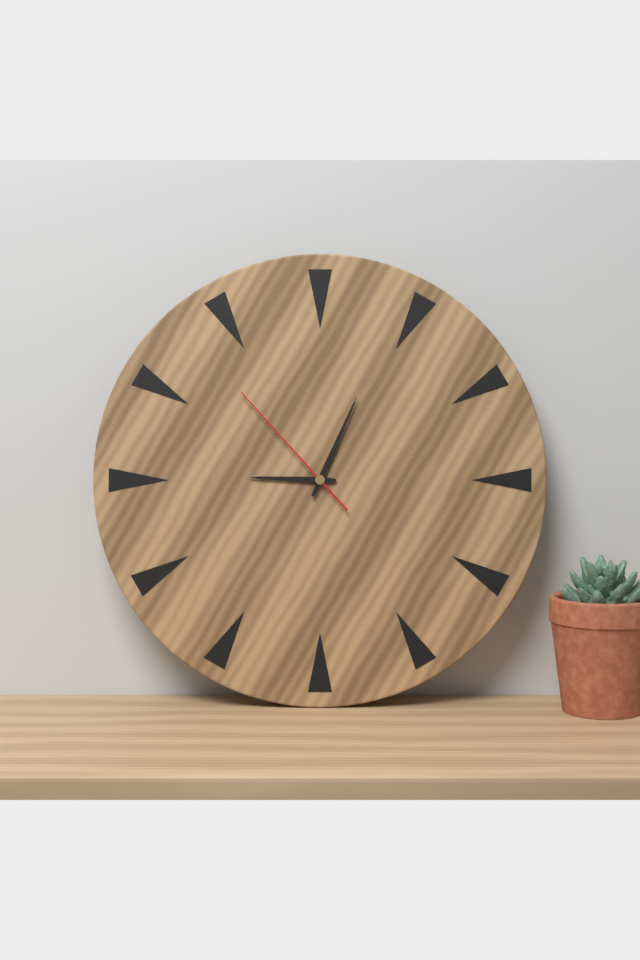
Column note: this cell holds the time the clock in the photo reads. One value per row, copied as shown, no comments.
9:04:53
